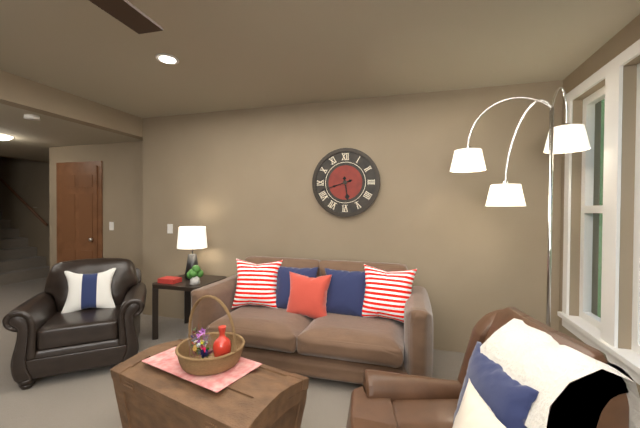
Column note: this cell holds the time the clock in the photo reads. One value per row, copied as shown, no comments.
5:42
